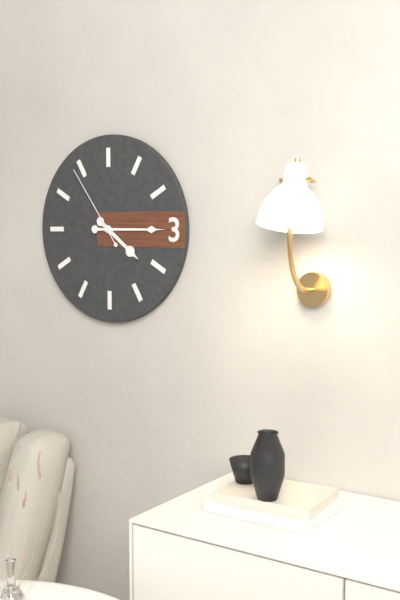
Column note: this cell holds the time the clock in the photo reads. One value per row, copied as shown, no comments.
4:15:54
